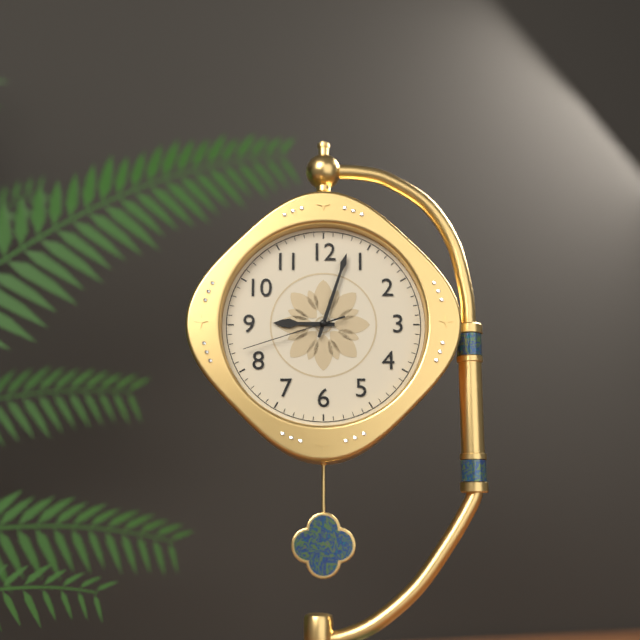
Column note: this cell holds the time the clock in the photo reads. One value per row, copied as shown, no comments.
9:03:42
